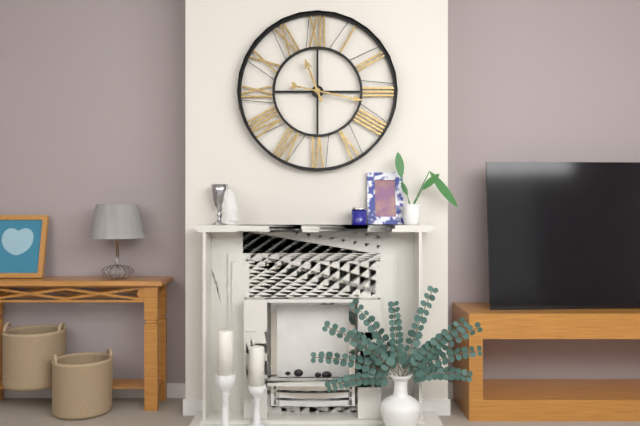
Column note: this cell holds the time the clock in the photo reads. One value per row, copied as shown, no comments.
11:17
